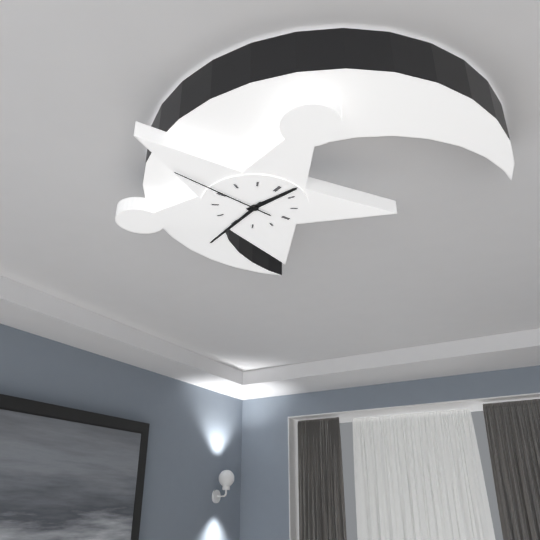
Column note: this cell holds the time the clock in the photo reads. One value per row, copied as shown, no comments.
12:30:46
